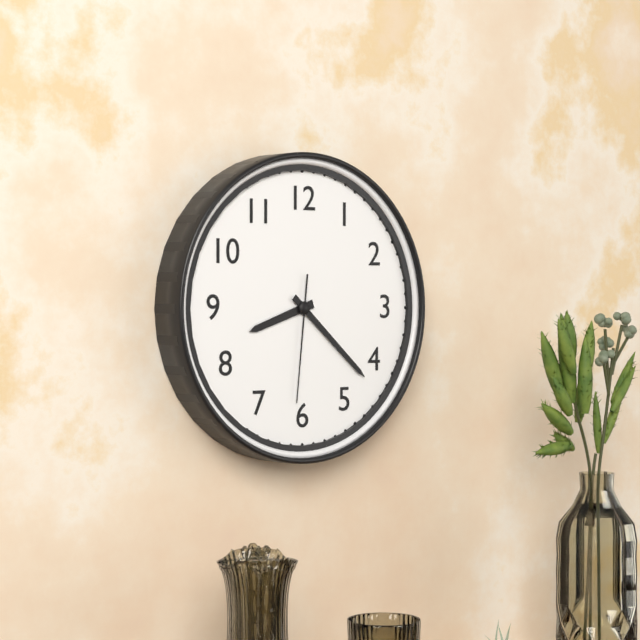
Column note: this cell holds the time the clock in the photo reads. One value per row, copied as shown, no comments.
8:22:31
